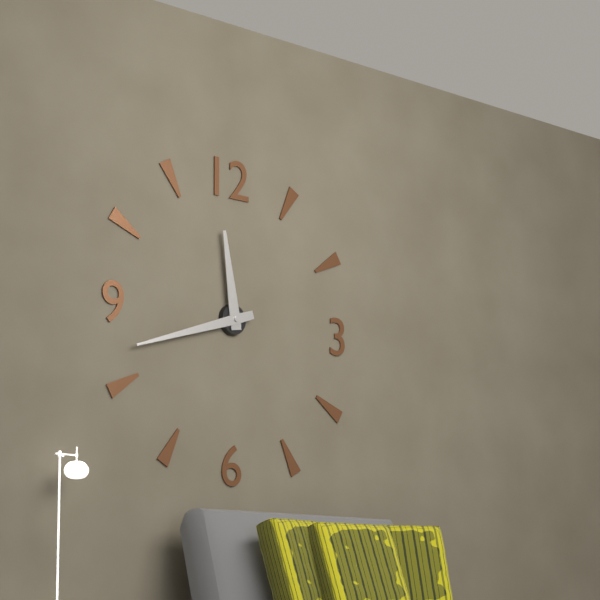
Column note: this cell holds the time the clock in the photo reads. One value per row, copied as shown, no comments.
11:42
